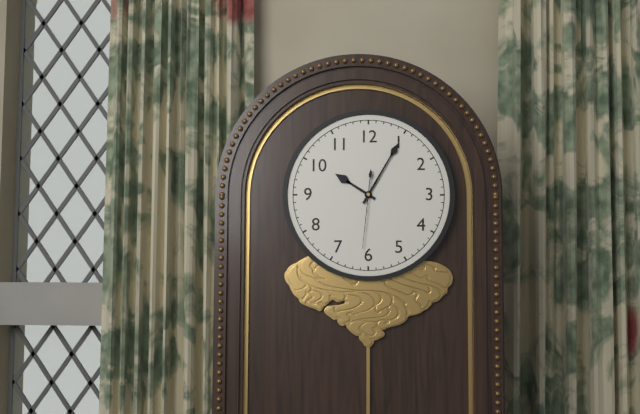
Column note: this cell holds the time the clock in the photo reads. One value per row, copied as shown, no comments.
10:05:31
